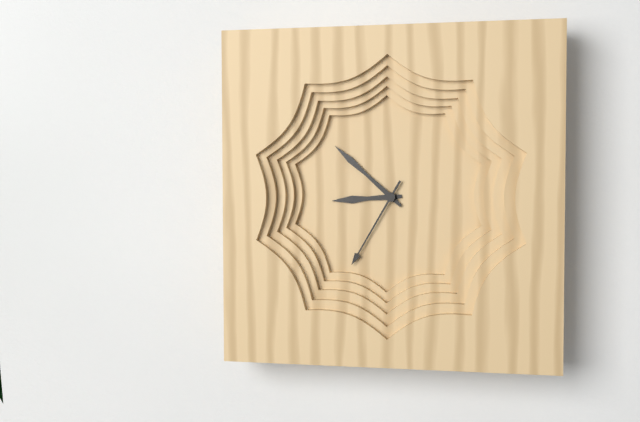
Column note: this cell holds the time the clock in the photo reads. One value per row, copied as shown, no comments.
8:52:35
